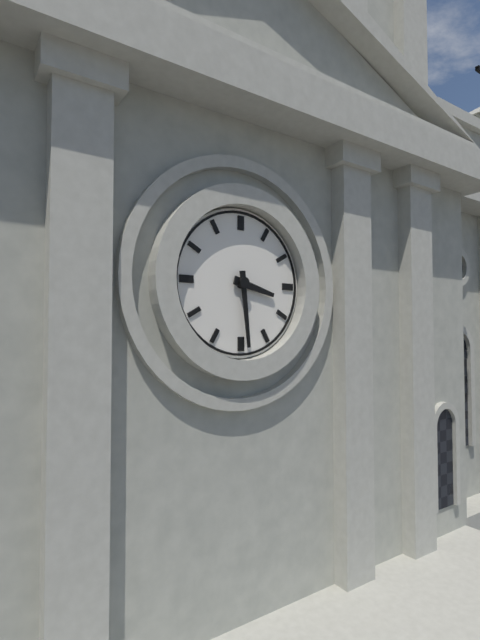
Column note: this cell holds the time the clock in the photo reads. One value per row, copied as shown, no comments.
3:29
